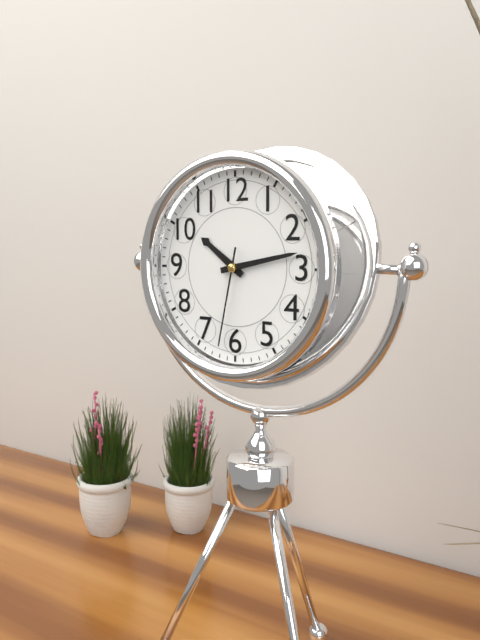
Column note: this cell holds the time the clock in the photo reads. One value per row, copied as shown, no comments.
10:13:32
